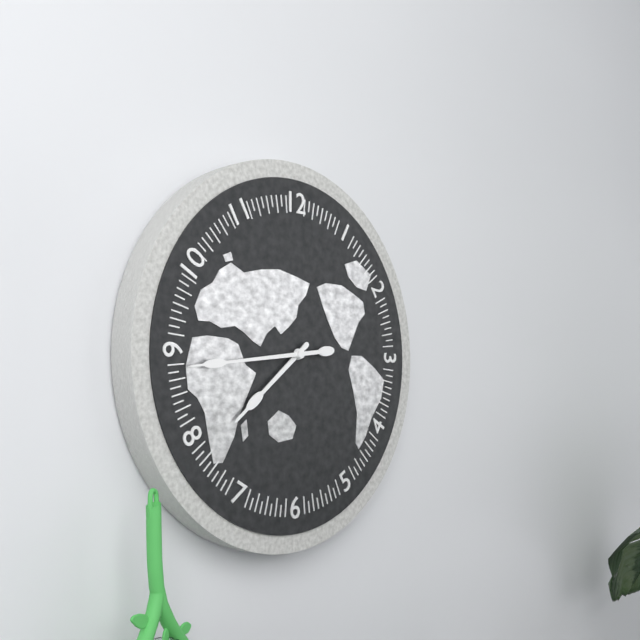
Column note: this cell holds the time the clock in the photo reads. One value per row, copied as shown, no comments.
7:44
